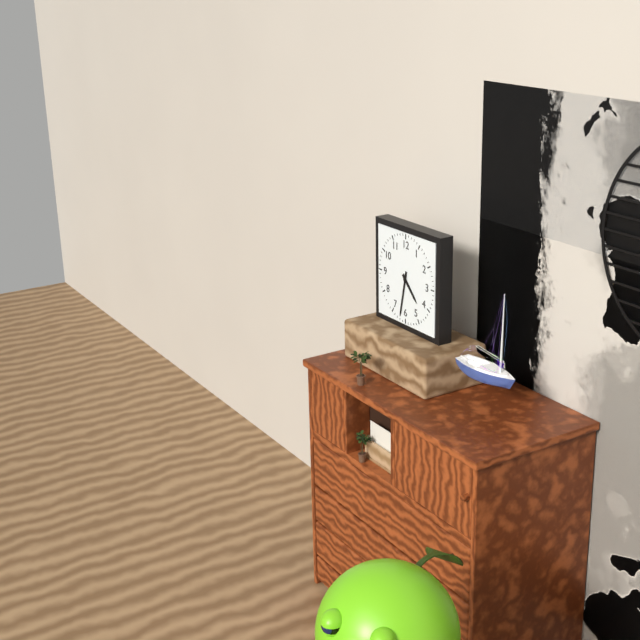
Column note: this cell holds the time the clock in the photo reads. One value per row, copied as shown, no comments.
4:32
